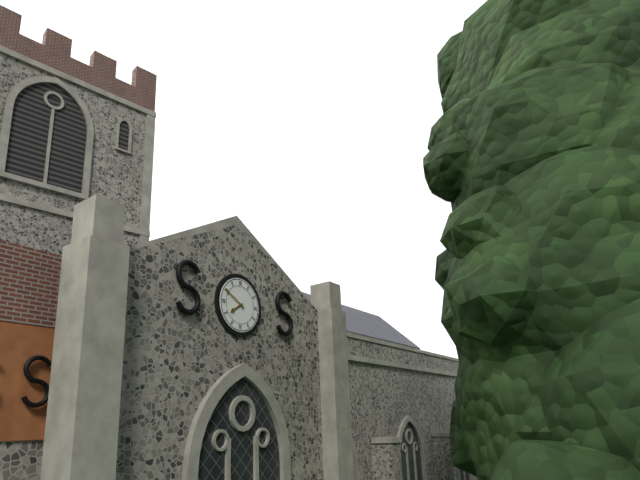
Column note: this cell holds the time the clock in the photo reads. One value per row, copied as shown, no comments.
7:50
